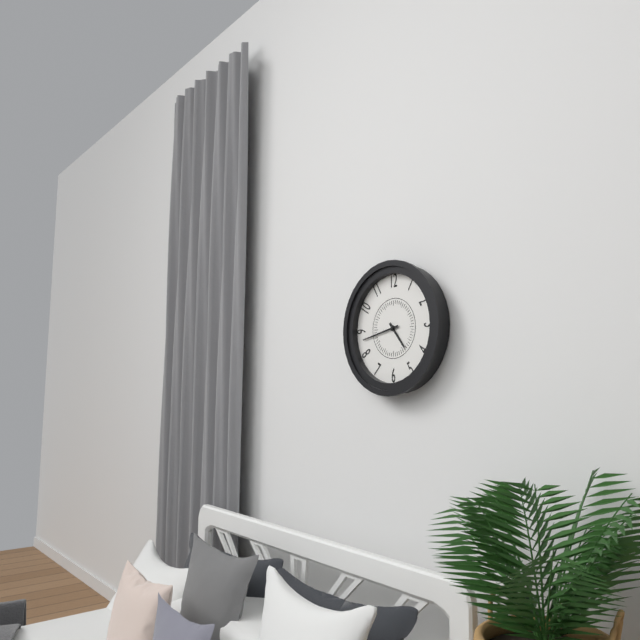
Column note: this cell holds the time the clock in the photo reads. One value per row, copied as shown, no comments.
4:43
